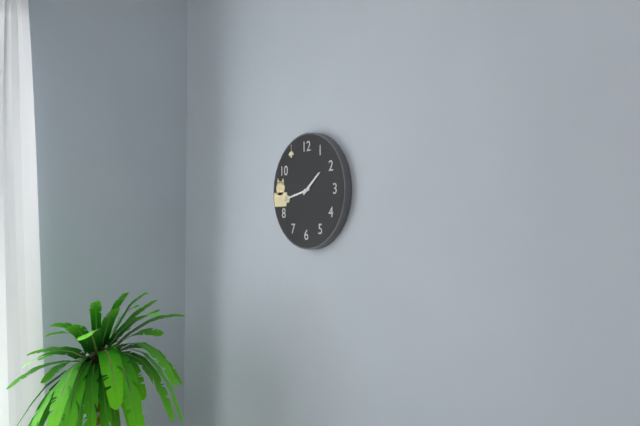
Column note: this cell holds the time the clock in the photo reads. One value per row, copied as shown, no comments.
1:43
